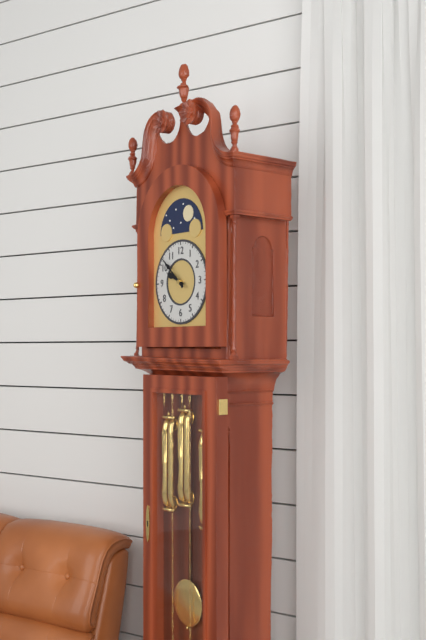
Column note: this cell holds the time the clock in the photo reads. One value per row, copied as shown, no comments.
9:52
